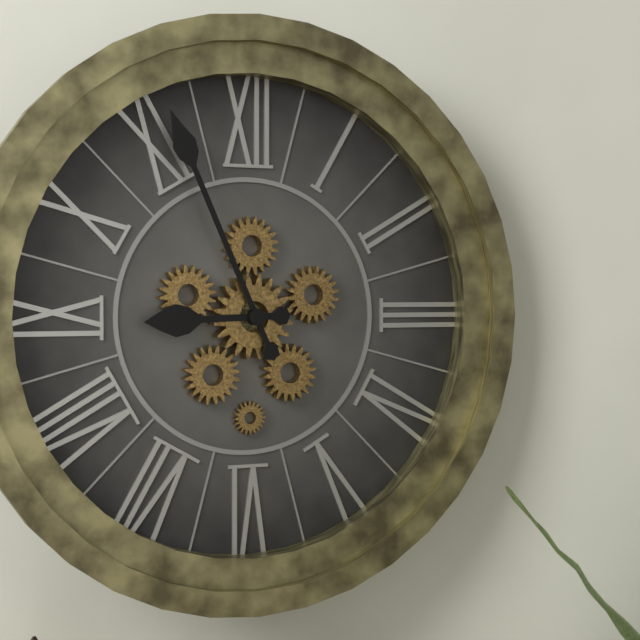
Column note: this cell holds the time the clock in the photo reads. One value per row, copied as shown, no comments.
8:56
